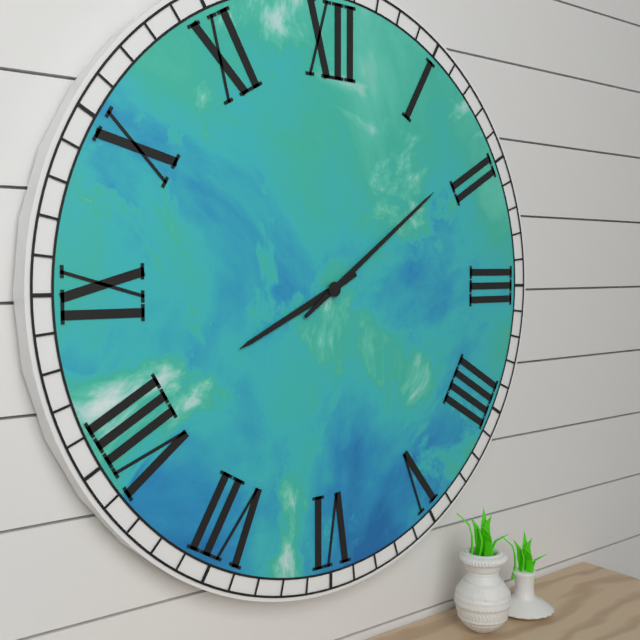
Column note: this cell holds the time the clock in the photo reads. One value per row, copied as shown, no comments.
8:09
